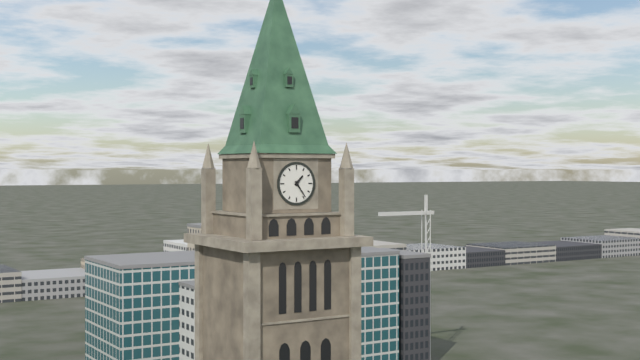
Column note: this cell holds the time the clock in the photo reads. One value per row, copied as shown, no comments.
1:24
